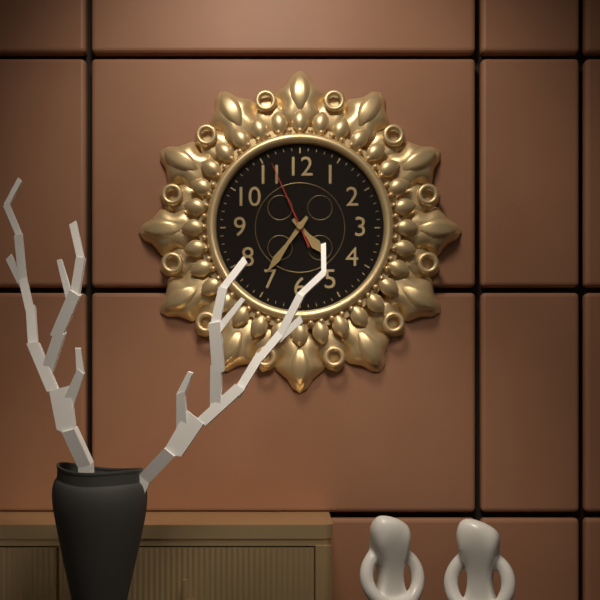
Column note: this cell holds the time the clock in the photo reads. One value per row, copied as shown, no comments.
4:36:56
